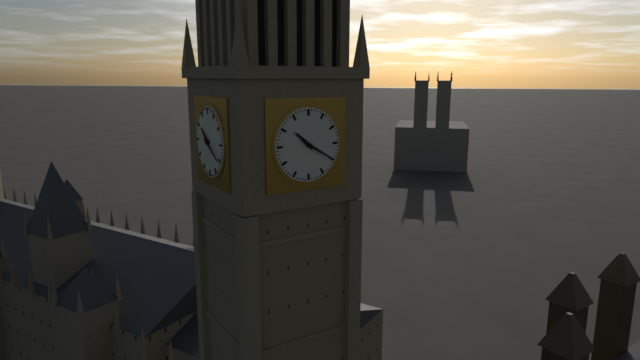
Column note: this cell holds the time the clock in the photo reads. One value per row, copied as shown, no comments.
10:20
